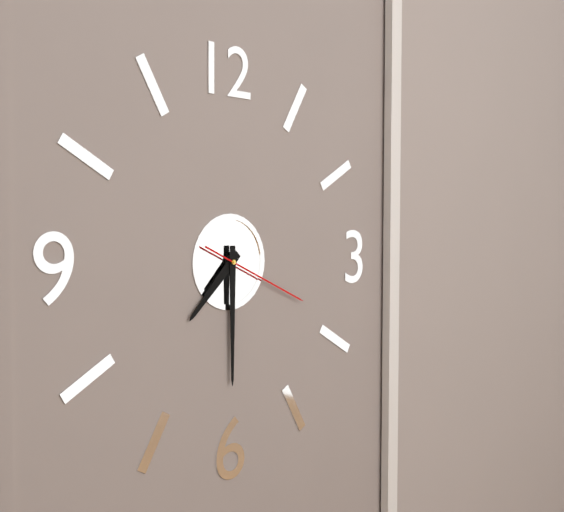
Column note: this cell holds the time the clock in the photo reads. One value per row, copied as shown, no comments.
7:30:19
